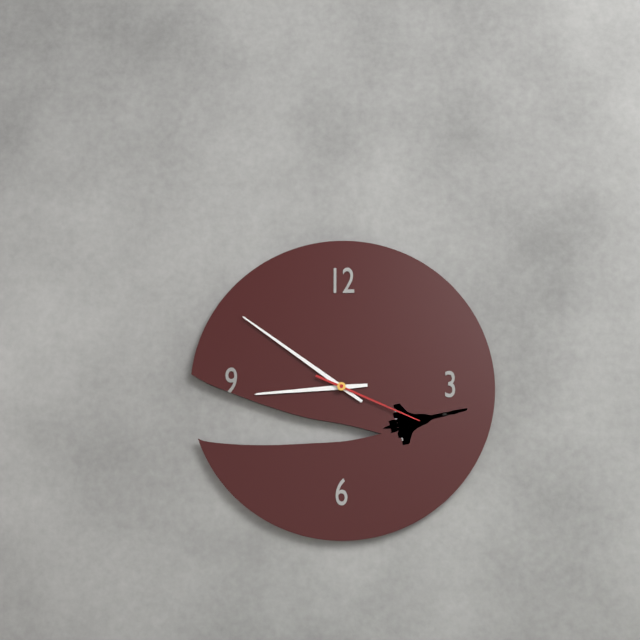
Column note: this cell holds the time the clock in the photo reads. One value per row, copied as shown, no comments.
8:51:19
